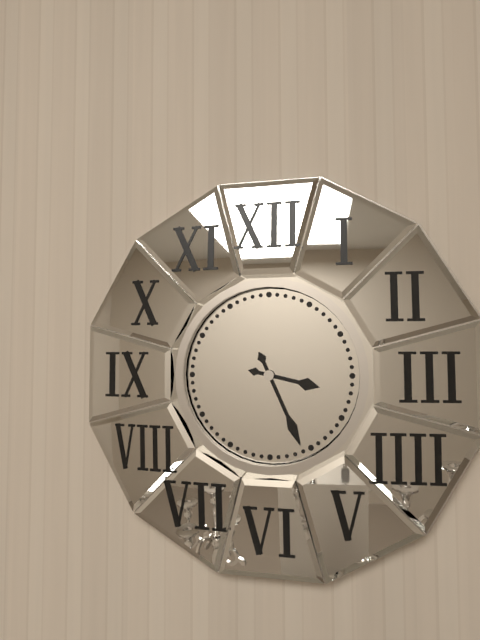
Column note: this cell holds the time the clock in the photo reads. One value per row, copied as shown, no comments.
3:26
